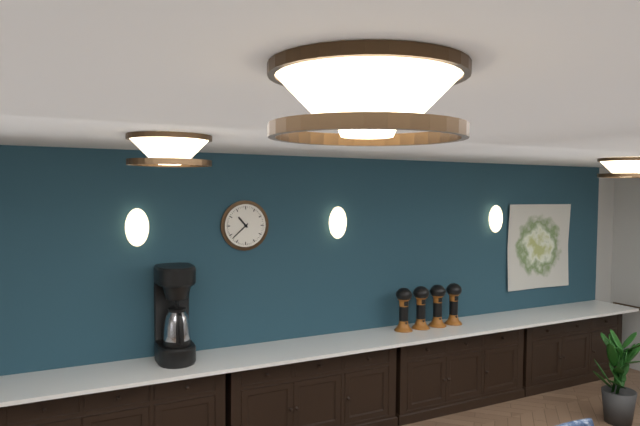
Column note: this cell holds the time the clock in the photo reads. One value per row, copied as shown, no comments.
10:38
